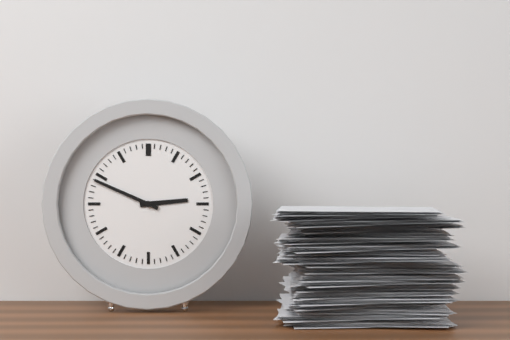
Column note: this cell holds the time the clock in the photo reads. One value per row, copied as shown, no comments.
2:49
